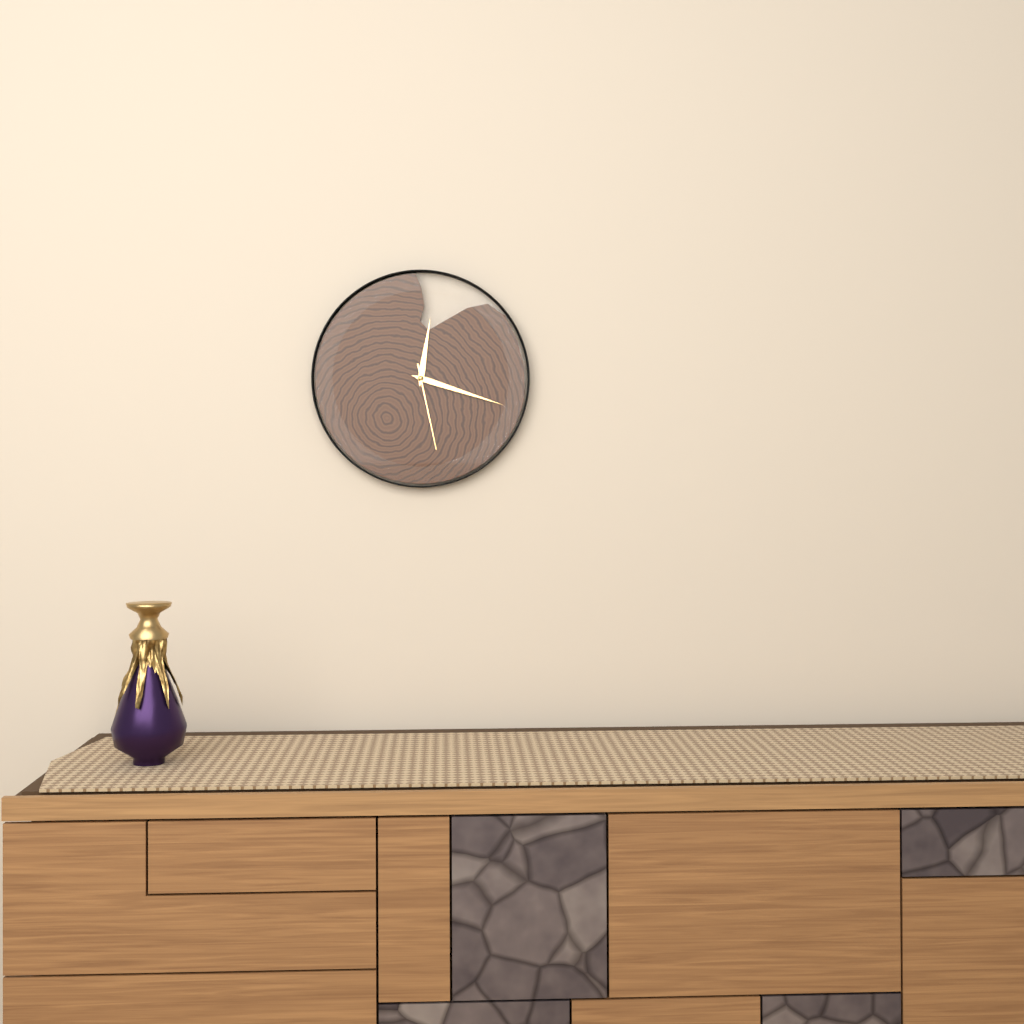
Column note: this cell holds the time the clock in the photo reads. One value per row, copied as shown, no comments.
12:18:28
